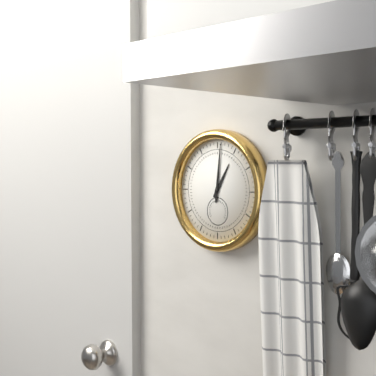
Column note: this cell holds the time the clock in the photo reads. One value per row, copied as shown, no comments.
1:01
